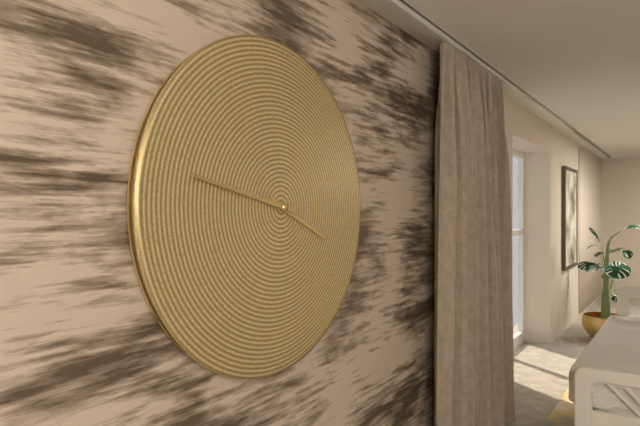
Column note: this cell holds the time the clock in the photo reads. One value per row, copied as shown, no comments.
3:47
